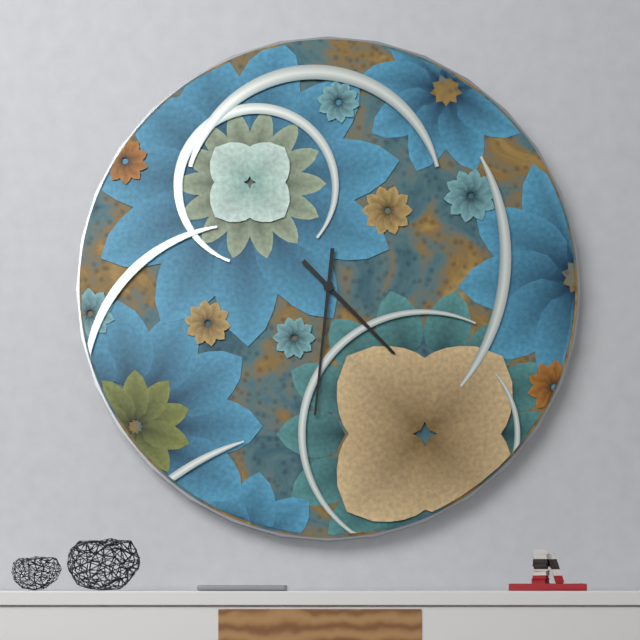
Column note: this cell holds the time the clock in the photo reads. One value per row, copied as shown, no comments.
4:31
